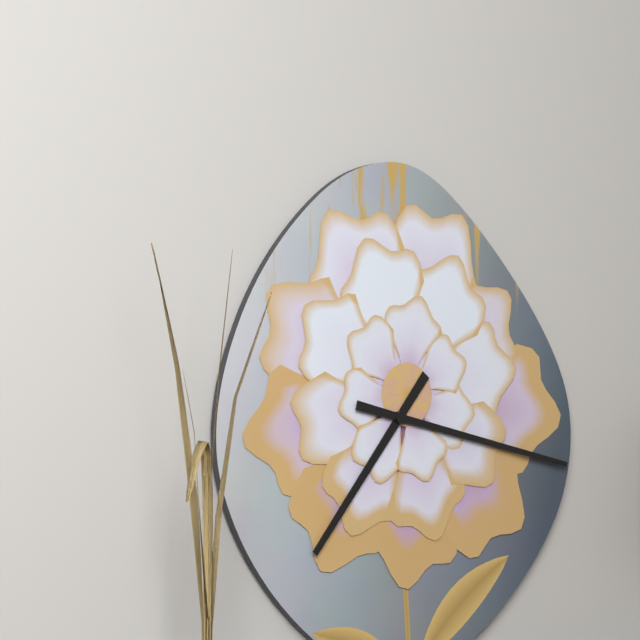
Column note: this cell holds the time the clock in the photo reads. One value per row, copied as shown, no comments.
7:17
